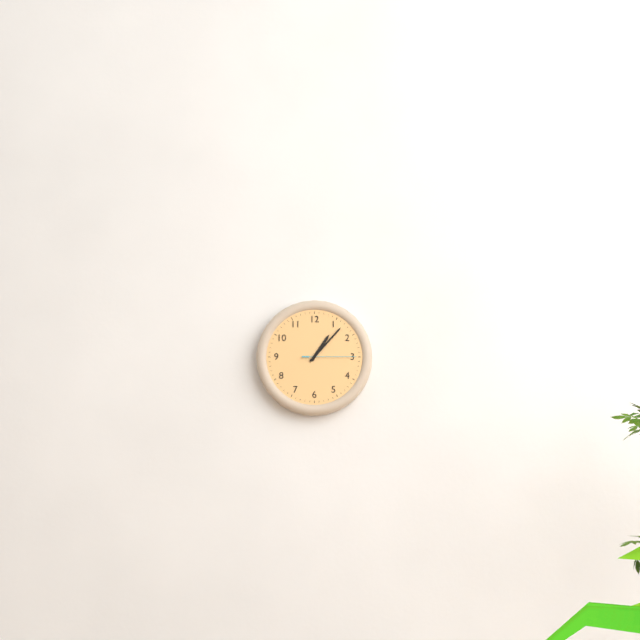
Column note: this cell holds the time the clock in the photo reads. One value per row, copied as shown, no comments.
1:07:15
